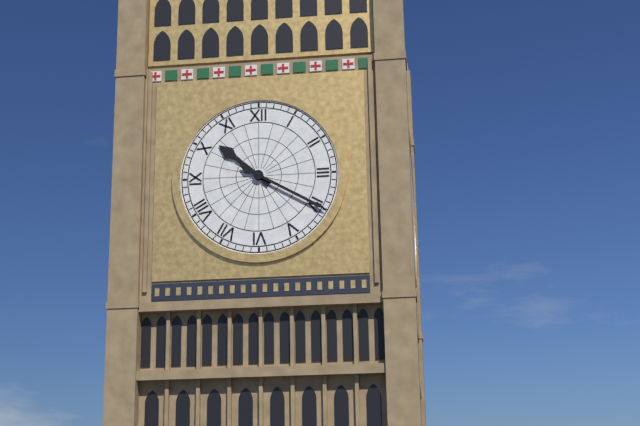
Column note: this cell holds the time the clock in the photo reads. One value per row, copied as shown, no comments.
10:20
